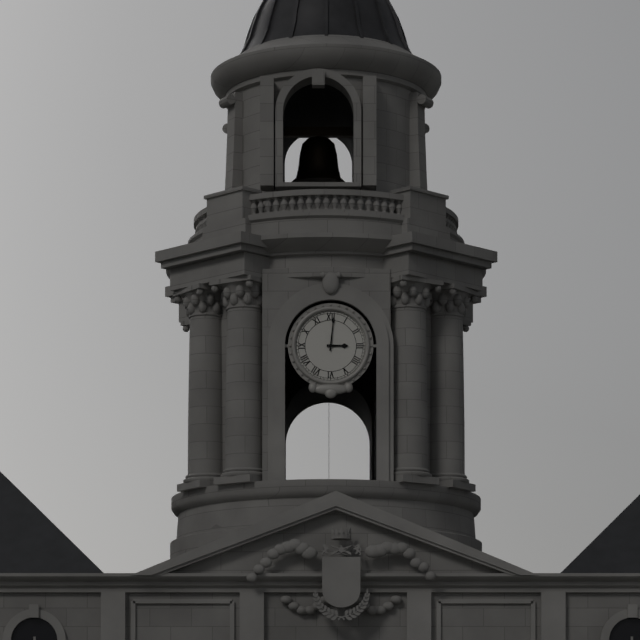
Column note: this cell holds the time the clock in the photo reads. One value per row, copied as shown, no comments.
3:01
